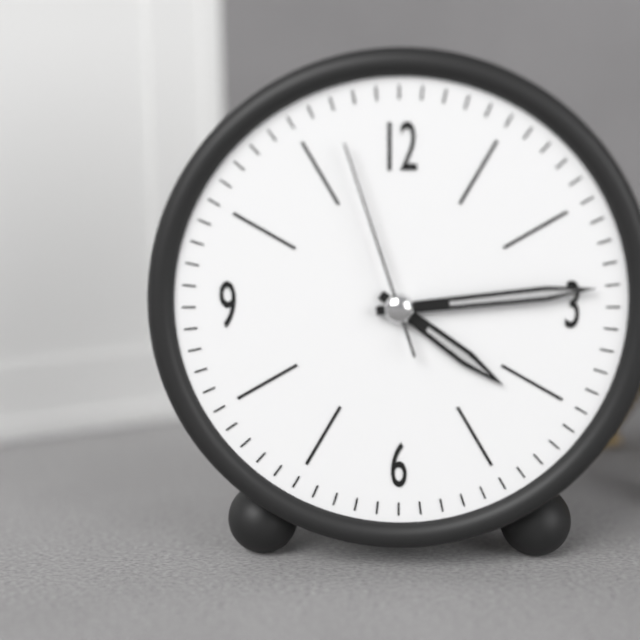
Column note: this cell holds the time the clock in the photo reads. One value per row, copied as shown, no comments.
4:14:57
